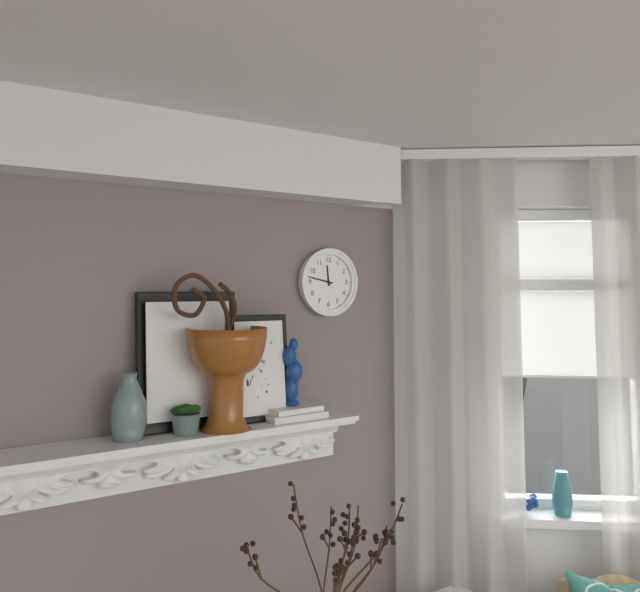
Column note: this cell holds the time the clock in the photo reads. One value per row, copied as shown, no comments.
11:47
